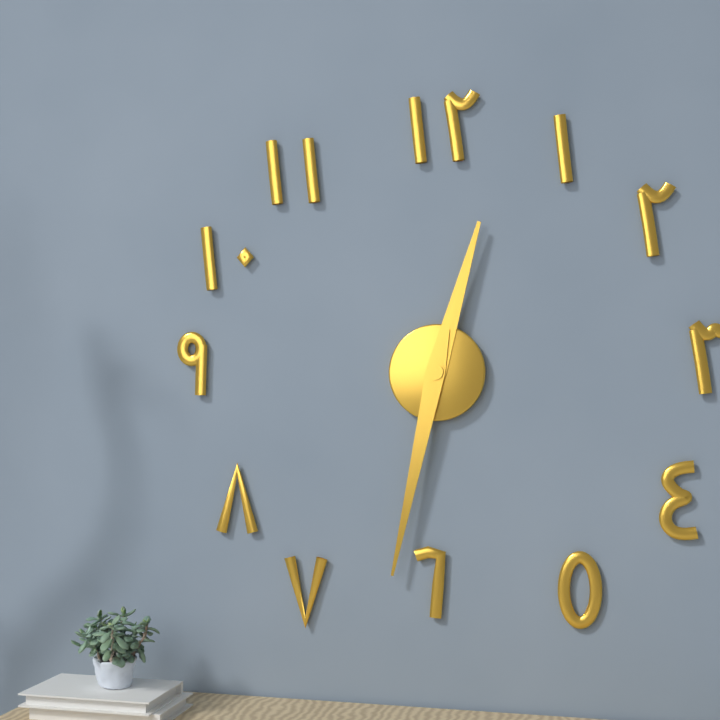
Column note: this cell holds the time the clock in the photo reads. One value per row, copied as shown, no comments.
12:32
